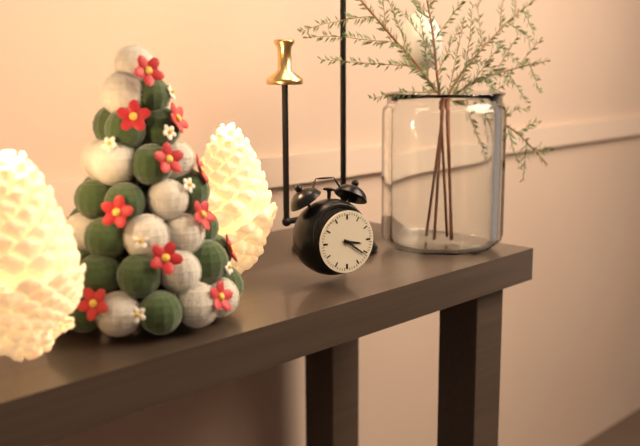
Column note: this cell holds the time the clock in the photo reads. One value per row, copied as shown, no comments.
3:21
